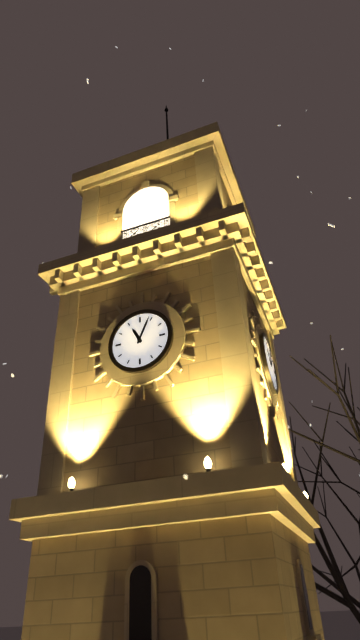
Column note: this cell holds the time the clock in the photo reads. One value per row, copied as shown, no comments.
11:04
